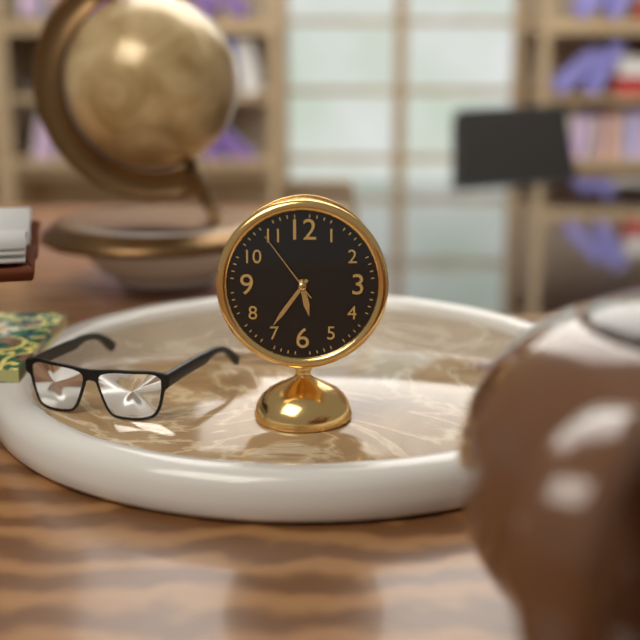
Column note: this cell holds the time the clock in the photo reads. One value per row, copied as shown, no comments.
5:36:54
